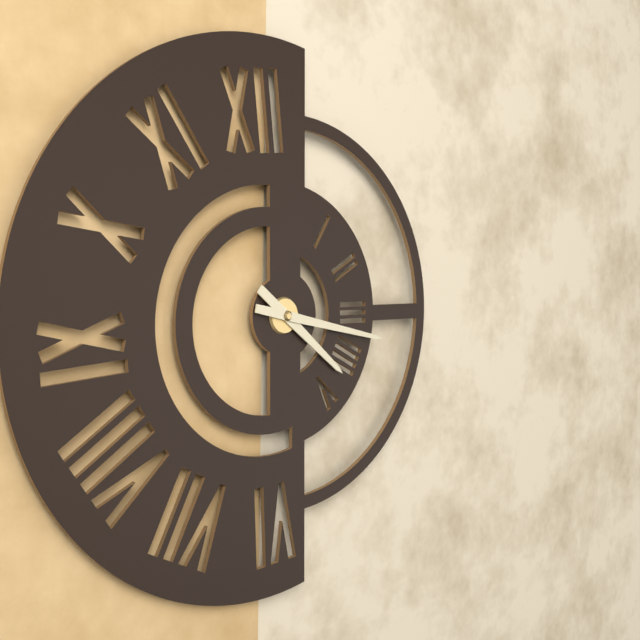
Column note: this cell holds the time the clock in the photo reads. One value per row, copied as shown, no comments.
4:17
